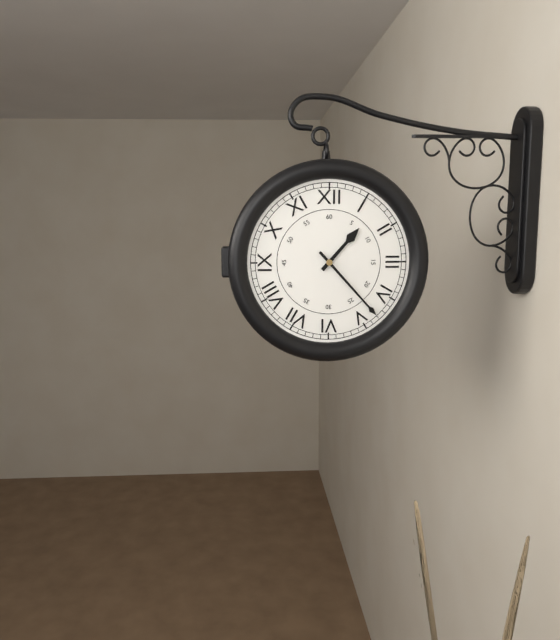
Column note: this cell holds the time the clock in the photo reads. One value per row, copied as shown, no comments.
1:23
